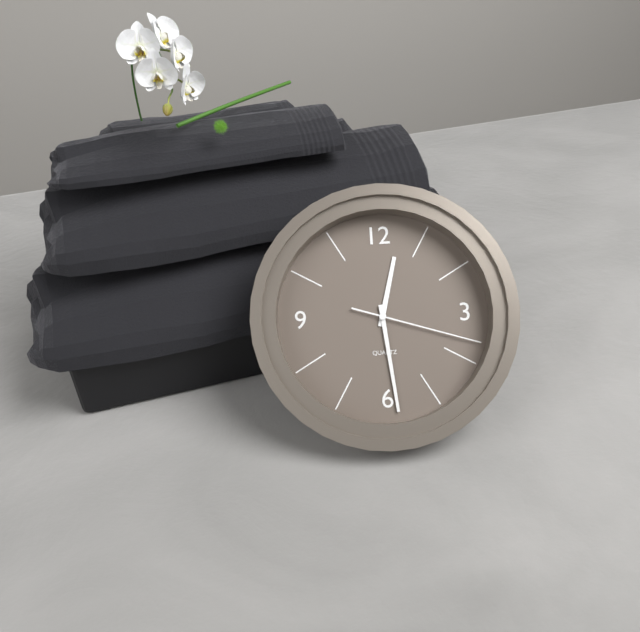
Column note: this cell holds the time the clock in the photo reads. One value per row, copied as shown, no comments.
12:29:18
